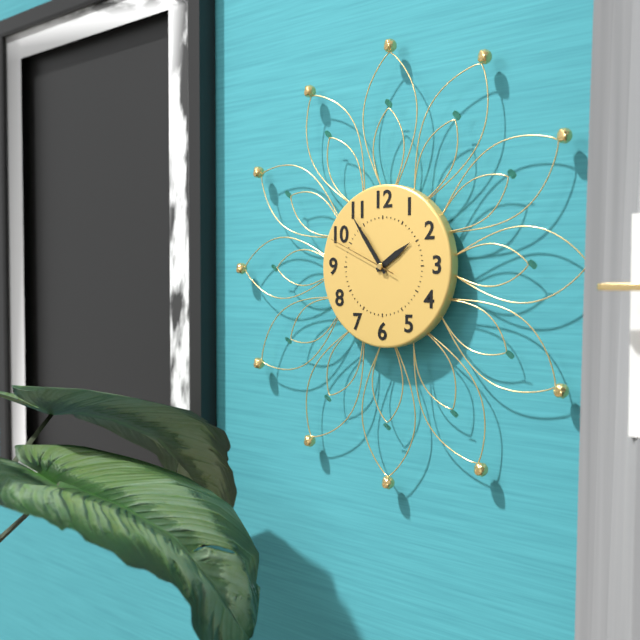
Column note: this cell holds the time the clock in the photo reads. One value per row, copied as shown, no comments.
1:54:49
